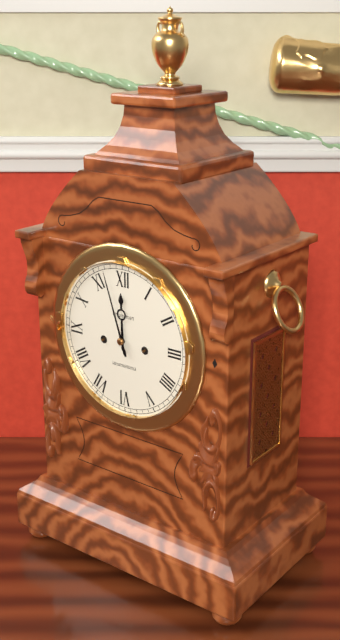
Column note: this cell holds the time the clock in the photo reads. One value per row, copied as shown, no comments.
11:57
